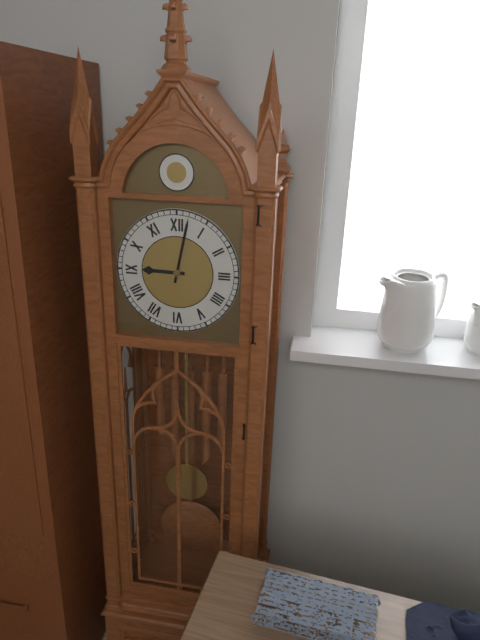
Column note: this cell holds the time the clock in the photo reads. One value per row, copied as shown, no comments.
9:02
